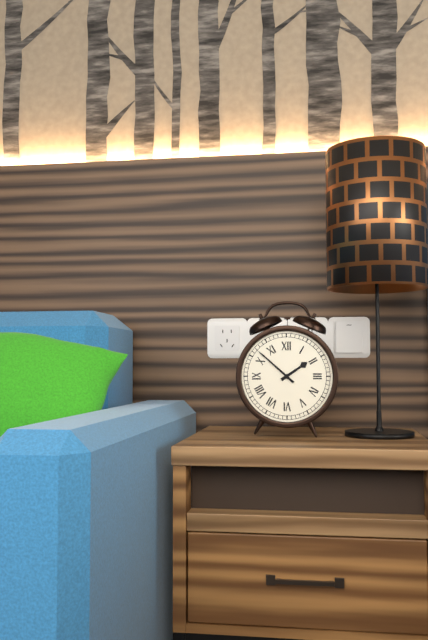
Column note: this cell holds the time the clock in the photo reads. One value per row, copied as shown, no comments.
1:52
